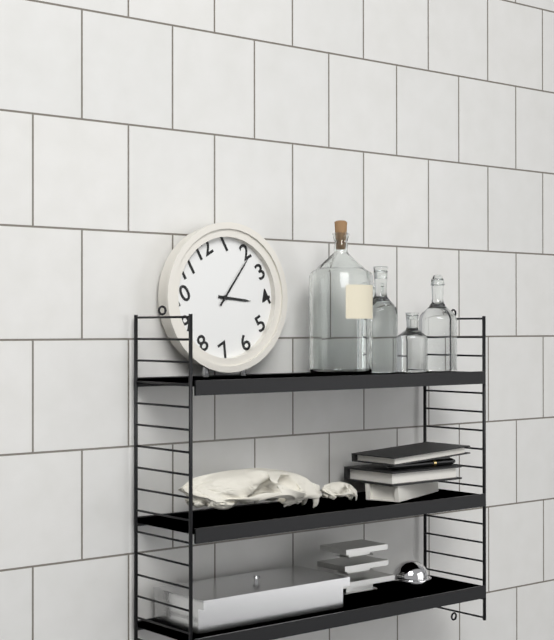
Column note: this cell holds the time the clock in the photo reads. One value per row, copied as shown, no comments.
4:11
